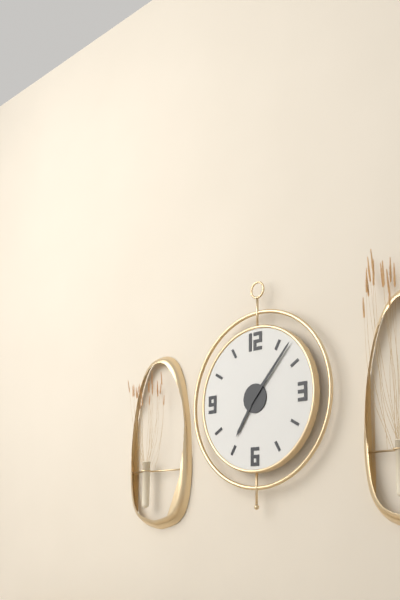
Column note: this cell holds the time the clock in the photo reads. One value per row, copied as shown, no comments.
7:07
